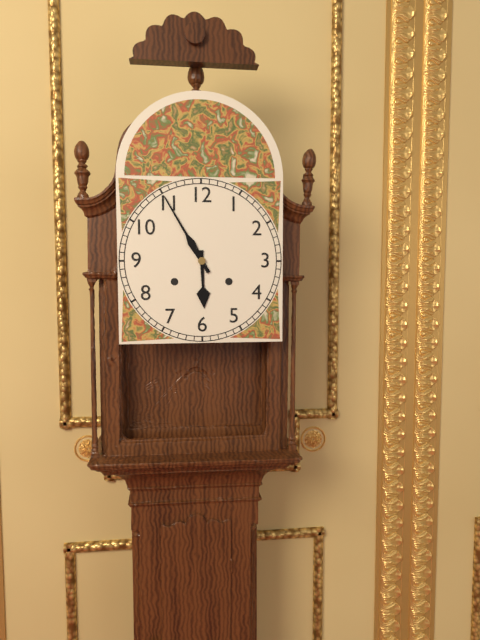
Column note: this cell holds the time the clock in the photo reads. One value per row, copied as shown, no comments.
5:55
